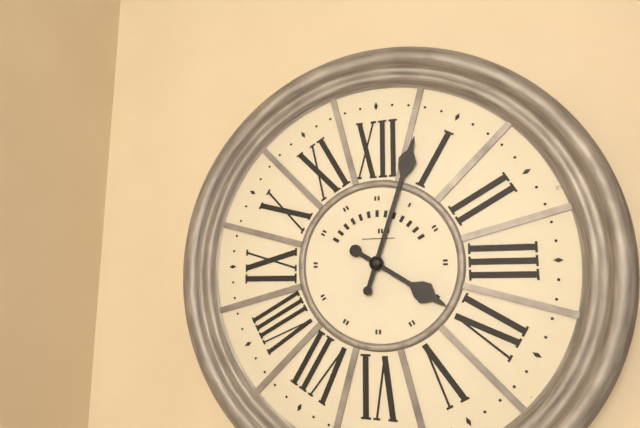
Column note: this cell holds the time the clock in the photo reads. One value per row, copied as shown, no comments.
4:03
